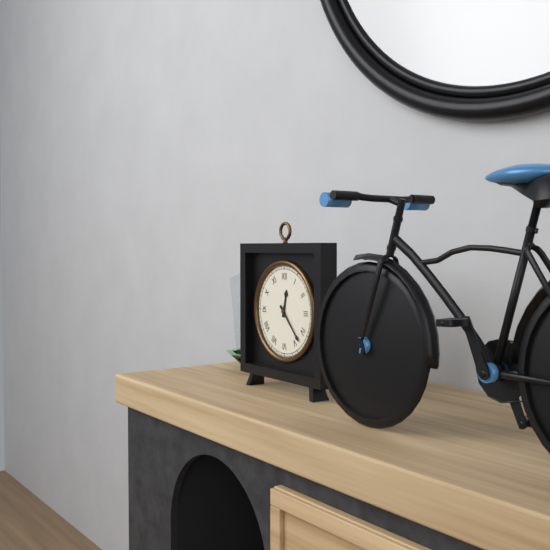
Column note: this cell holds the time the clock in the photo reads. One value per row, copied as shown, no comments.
12:23
